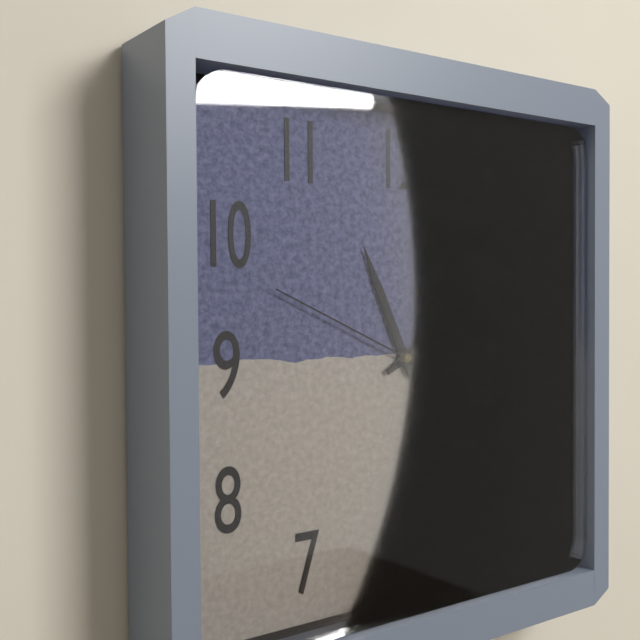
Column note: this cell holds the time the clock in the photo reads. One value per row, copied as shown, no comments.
11:10:49
